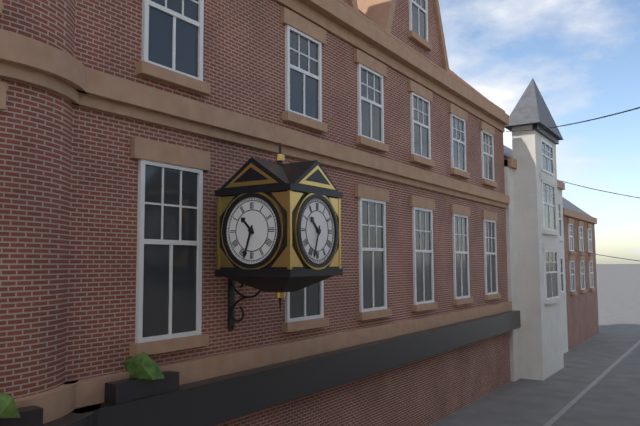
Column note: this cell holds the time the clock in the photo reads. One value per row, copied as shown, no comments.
10:33
